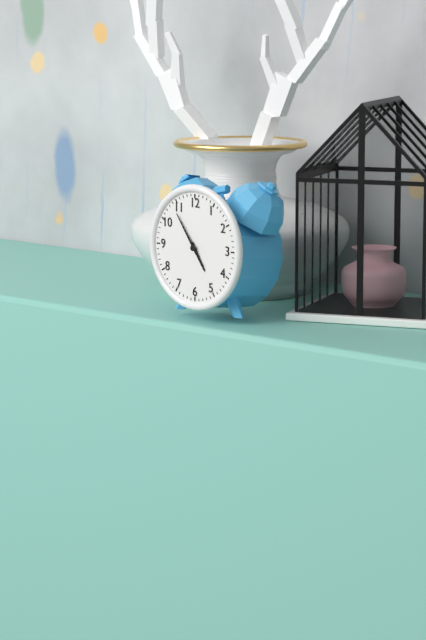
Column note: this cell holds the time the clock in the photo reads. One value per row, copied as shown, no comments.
4:54
